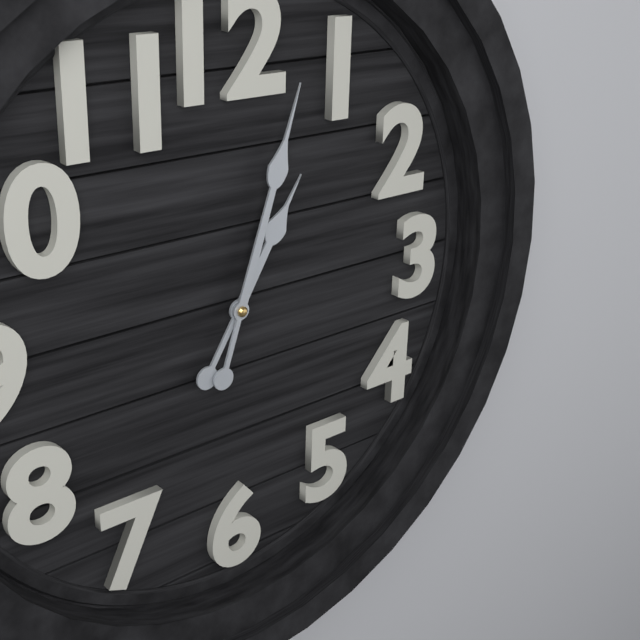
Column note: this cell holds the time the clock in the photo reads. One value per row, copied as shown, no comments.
1:03
